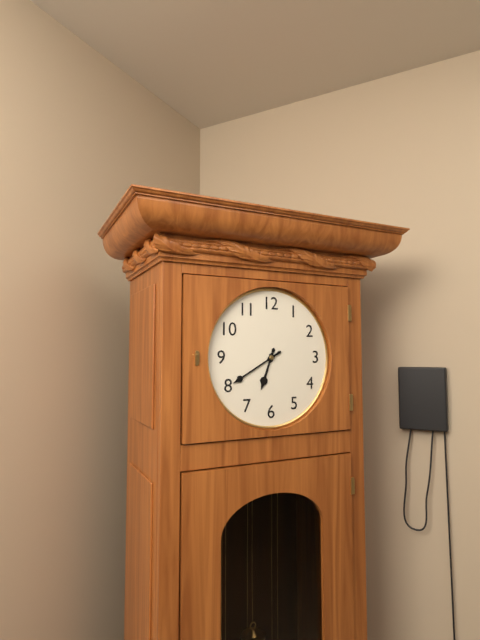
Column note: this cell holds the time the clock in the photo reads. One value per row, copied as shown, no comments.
6:40
